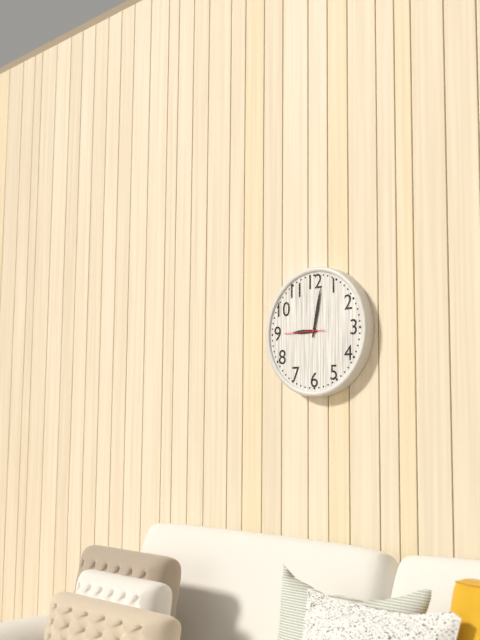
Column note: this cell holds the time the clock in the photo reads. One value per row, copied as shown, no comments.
9:02
